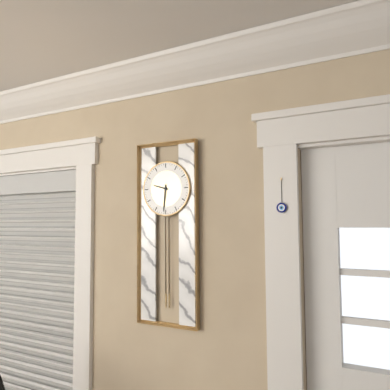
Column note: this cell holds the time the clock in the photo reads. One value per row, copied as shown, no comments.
9:31
